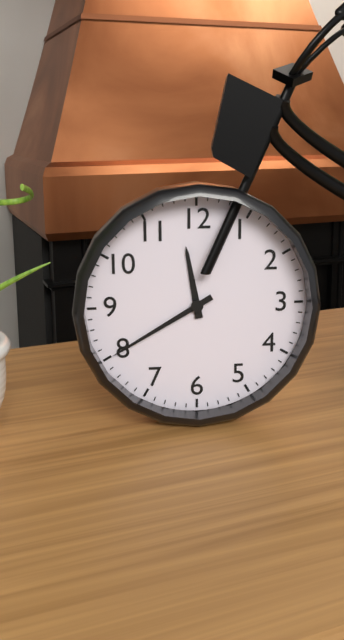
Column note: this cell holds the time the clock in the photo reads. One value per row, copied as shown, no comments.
11:40
